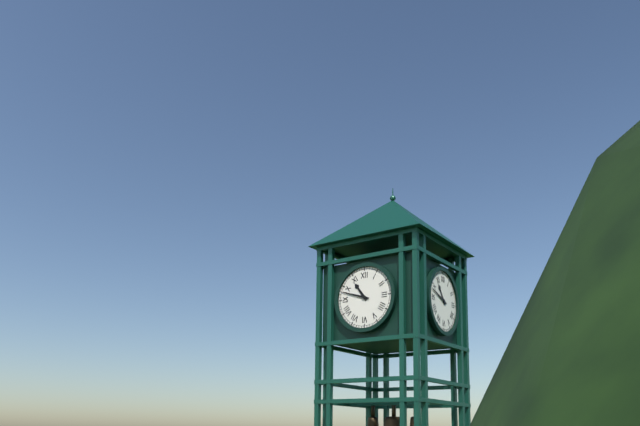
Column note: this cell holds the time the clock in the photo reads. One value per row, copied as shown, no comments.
10:48
